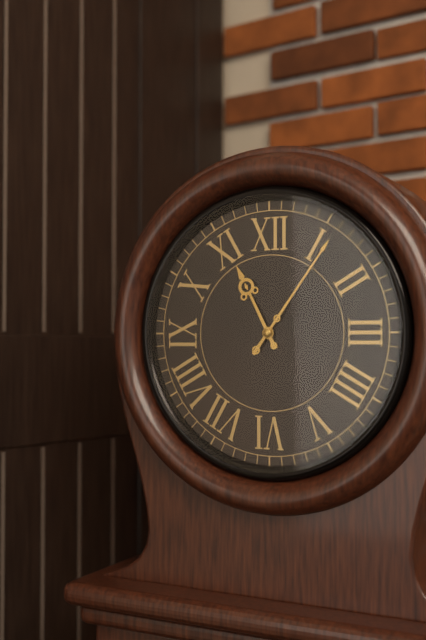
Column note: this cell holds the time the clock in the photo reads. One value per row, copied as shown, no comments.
11:06
